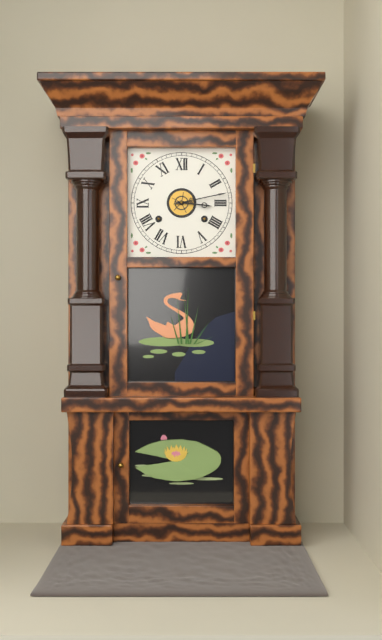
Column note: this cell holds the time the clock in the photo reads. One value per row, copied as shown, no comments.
3:13
